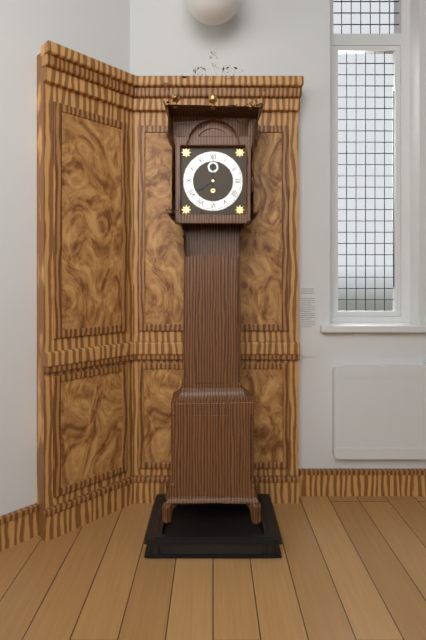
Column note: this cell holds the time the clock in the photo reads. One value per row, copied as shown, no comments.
8:00
